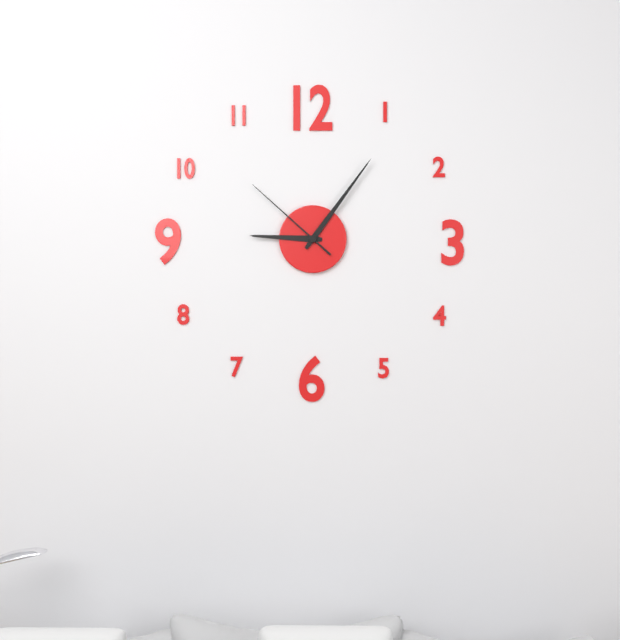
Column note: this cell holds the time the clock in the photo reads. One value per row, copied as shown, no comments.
9:06:52
